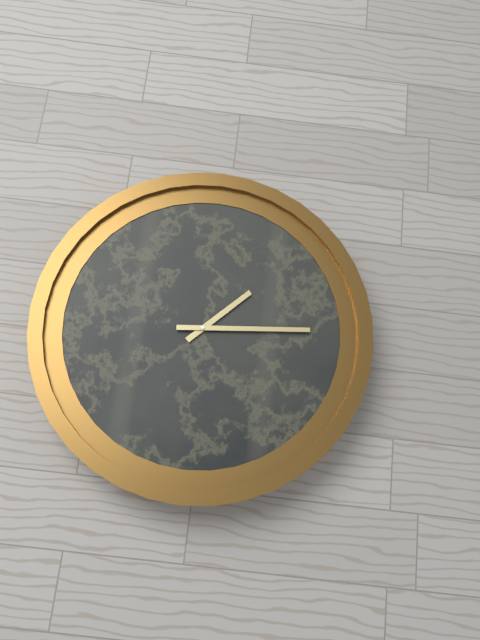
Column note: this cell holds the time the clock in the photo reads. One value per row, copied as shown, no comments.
4:29
